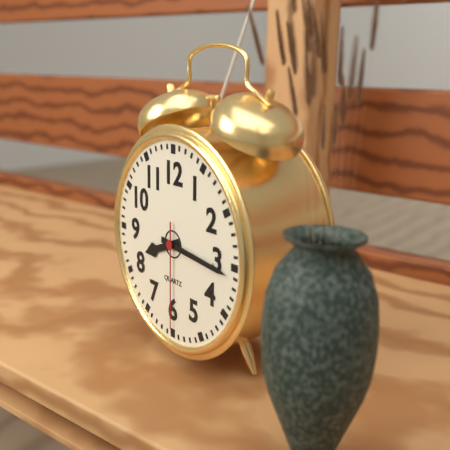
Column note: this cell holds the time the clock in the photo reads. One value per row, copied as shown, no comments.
8:16:30
